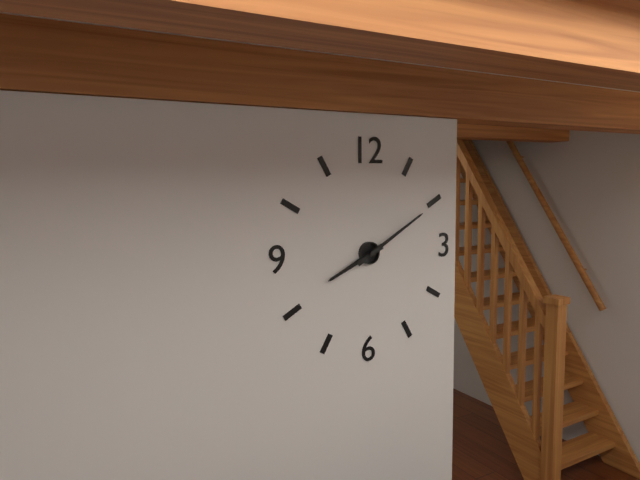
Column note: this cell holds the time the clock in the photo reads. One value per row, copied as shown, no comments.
8:10
